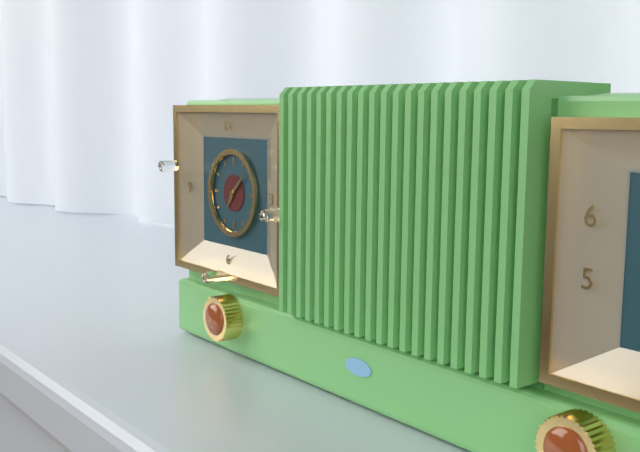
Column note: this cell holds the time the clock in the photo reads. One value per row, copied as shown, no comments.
7:08
